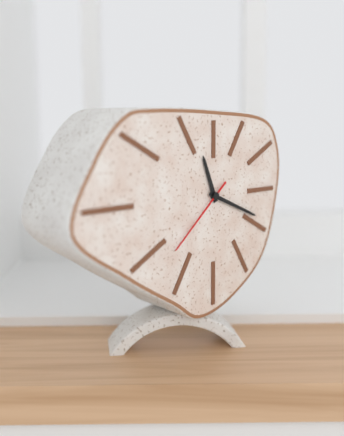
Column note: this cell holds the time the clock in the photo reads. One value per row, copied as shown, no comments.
11:19:38
